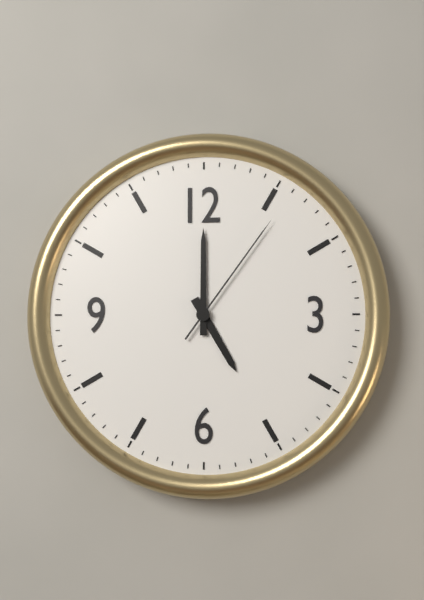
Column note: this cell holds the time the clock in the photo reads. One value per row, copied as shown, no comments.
5:00:06
